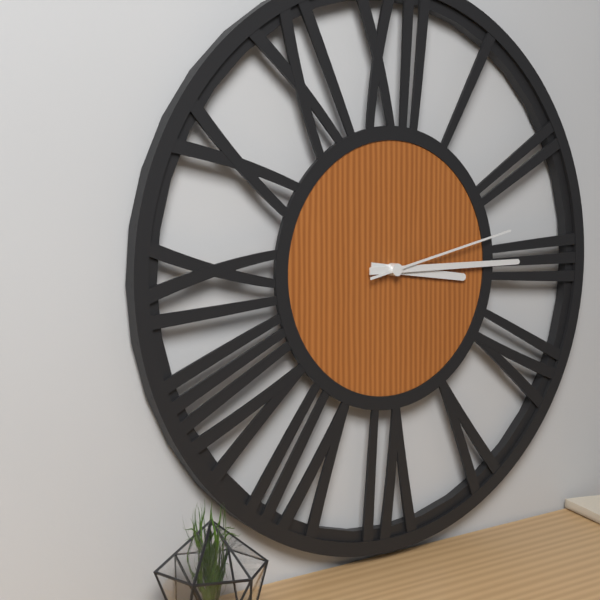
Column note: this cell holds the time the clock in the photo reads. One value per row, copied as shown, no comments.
3:15:13
